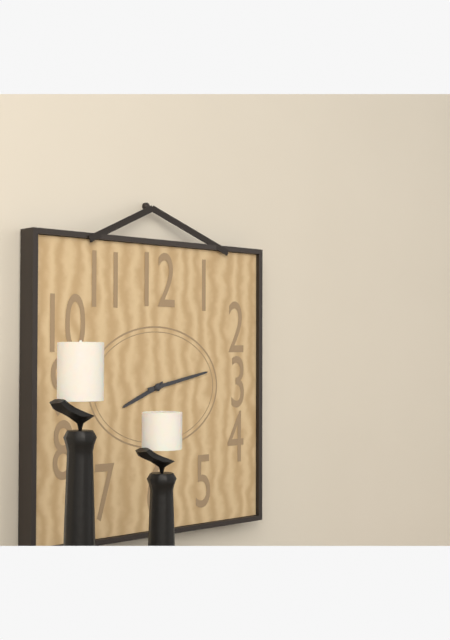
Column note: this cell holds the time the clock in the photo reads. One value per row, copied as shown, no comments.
8:13
